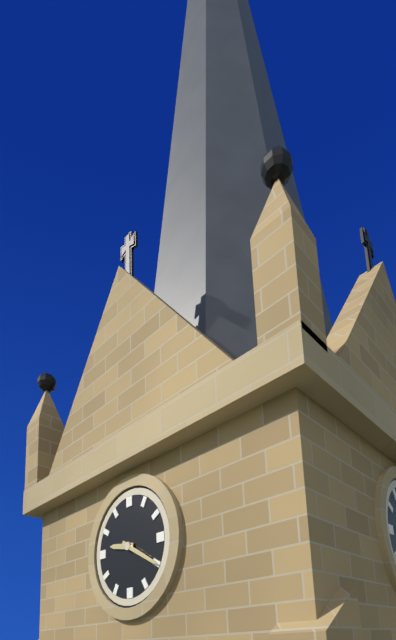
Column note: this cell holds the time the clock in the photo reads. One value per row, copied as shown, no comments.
9:20
